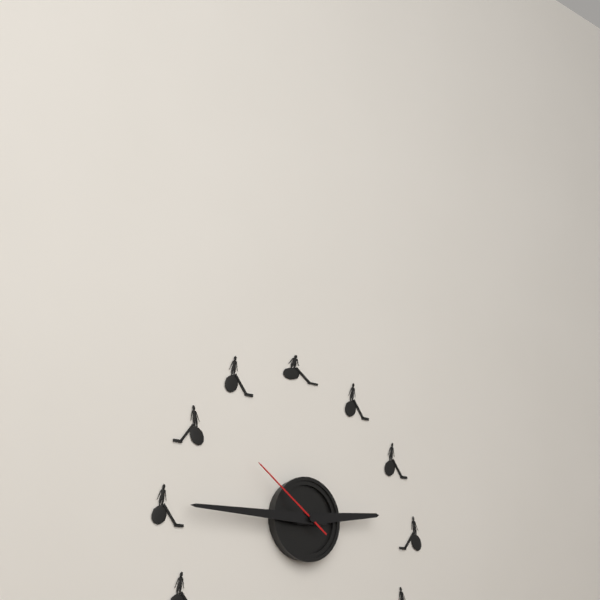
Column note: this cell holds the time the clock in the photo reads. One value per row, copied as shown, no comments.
2:45:51
